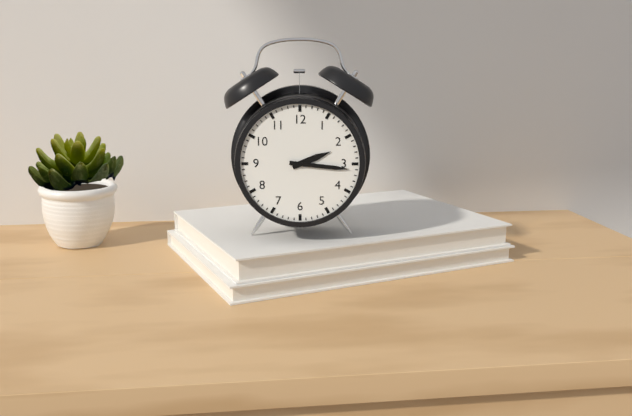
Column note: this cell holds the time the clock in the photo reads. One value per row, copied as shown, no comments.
2:16
